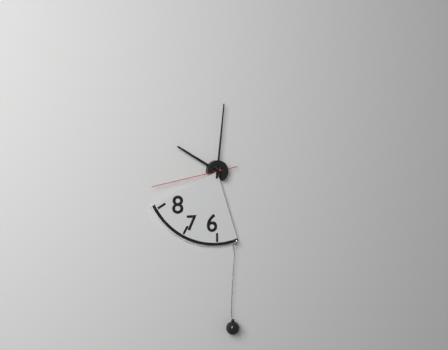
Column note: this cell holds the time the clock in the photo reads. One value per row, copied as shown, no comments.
10:01:43
